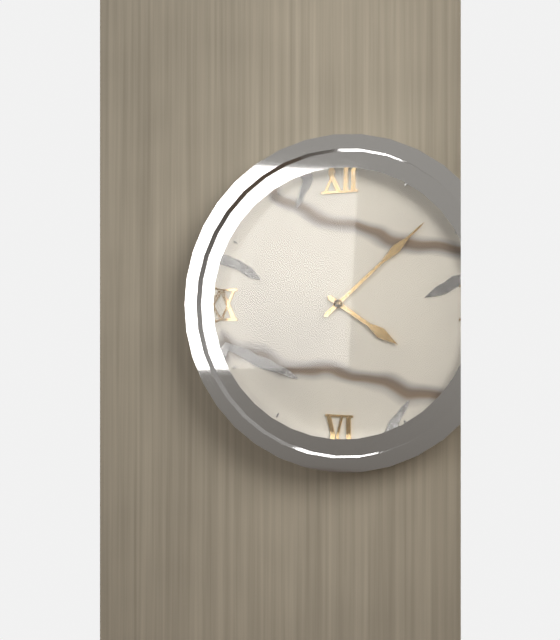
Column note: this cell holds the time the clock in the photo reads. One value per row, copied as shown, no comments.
4:08
